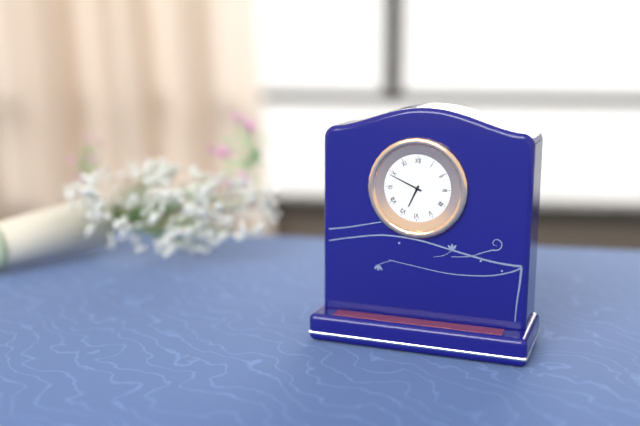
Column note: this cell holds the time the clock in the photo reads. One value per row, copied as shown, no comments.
6:49
